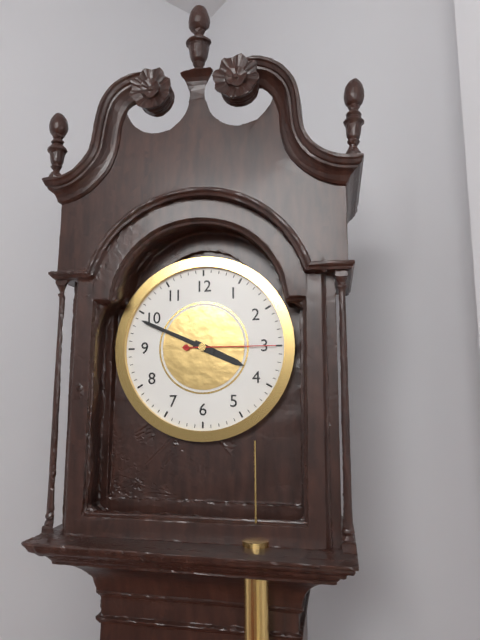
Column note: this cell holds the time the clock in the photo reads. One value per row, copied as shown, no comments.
3:49:15
